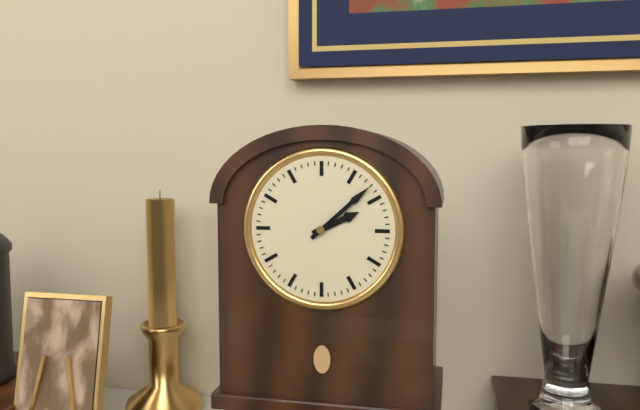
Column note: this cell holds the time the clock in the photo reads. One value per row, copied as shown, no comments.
2:08
